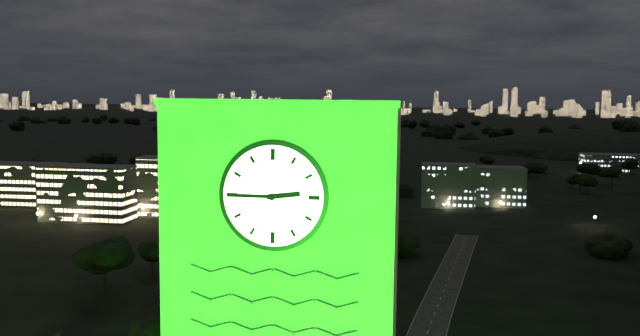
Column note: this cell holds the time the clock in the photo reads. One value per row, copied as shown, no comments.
2:45
